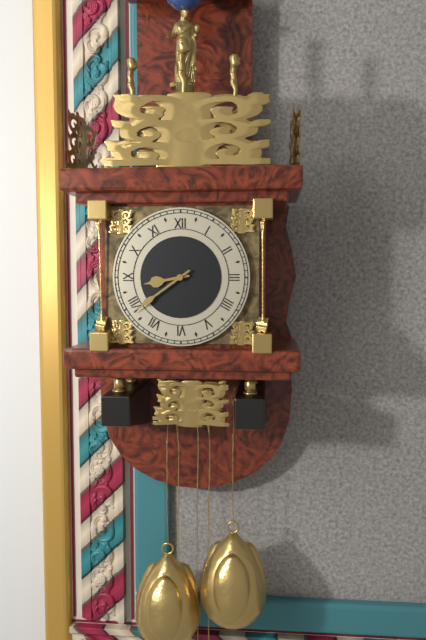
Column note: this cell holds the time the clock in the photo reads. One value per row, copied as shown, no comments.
8:39
